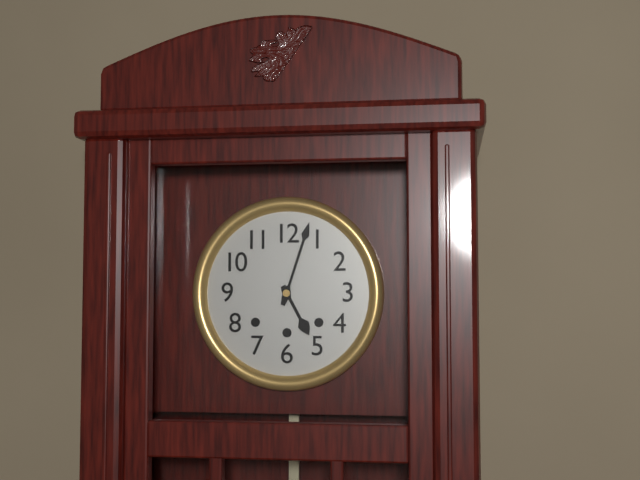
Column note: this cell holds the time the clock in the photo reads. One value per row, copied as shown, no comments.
5:03
